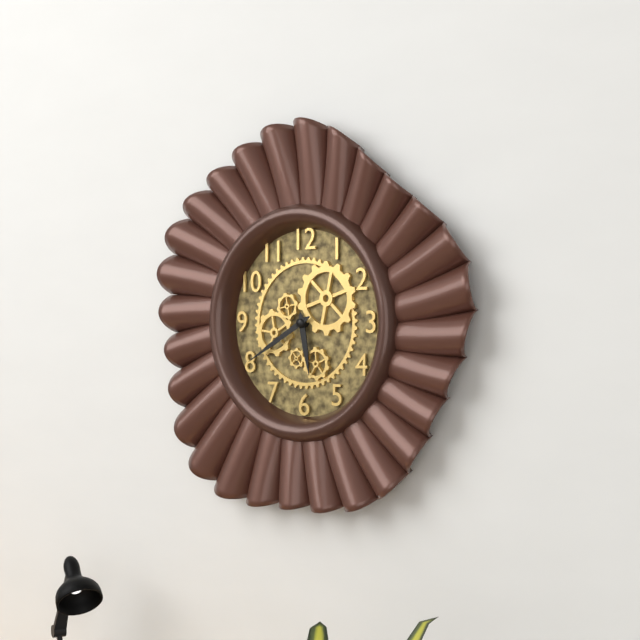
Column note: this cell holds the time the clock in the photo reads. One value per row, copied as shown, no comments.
5:40
